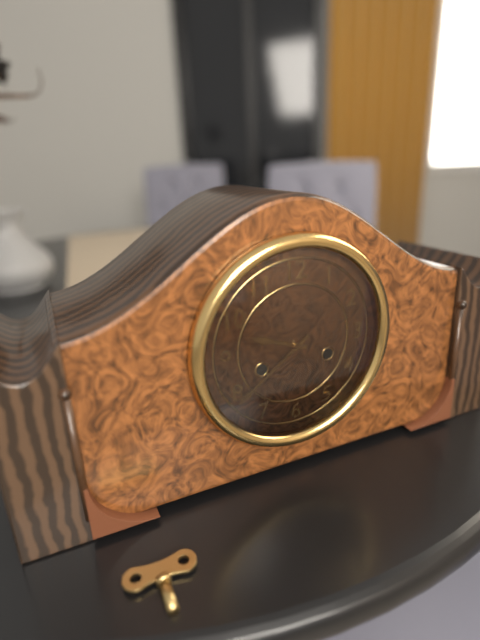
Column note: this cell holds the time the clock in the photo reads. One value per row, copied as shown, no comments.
9:39
